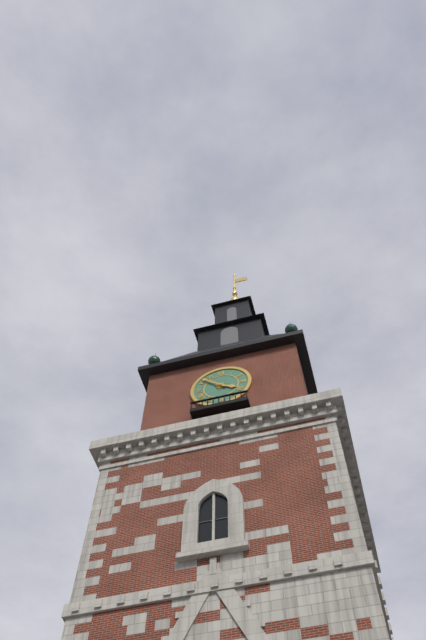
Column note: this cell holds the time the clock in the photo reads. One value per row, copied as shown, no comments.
3:52
